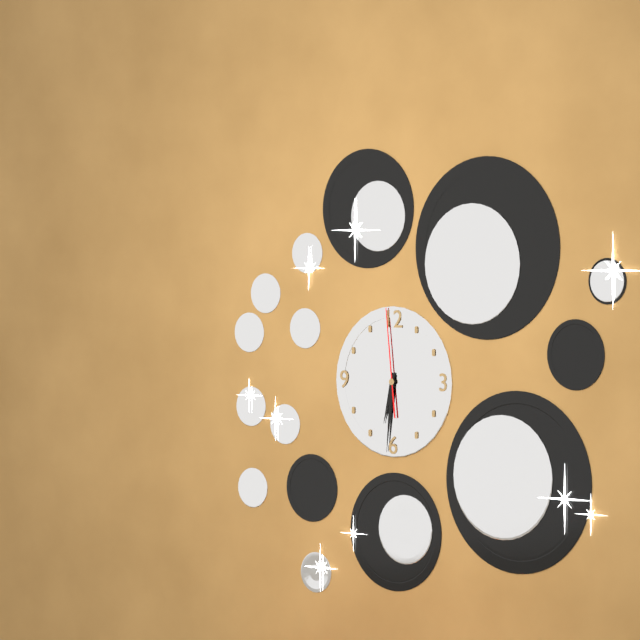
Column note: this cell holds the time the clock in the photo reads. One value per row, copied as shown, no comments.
6:31:59
